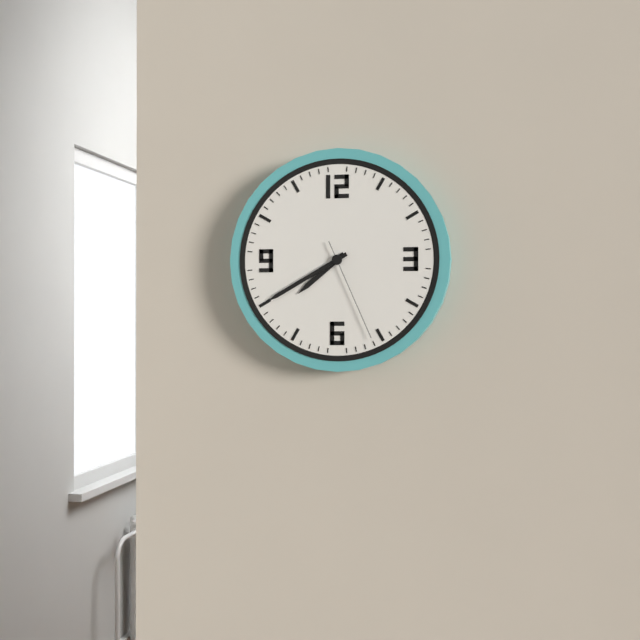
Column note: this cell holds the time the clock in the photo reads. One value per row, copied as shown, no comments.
7:40:26
